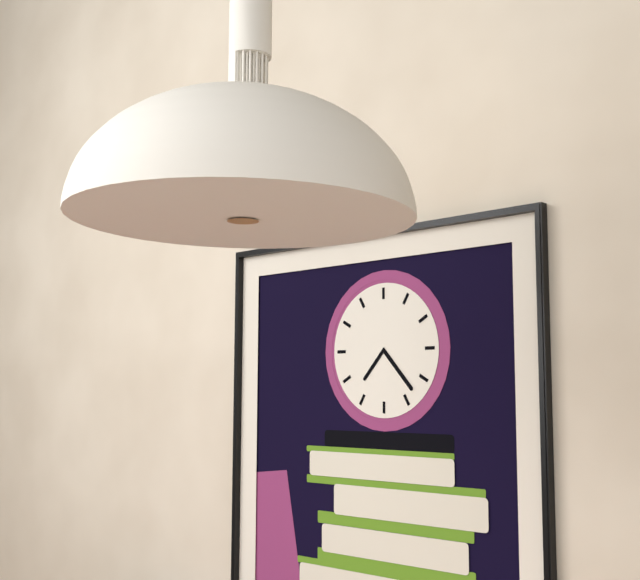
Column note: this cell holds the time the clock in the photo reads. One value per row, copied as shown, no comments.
7:23
